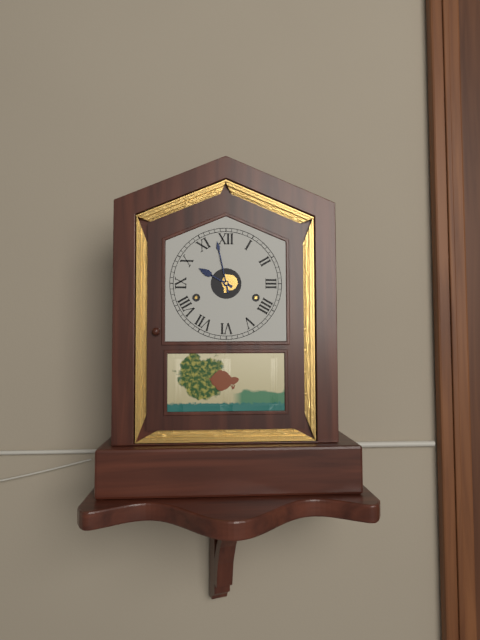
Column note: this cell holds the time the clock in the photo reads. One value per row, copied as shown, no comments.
9:58
